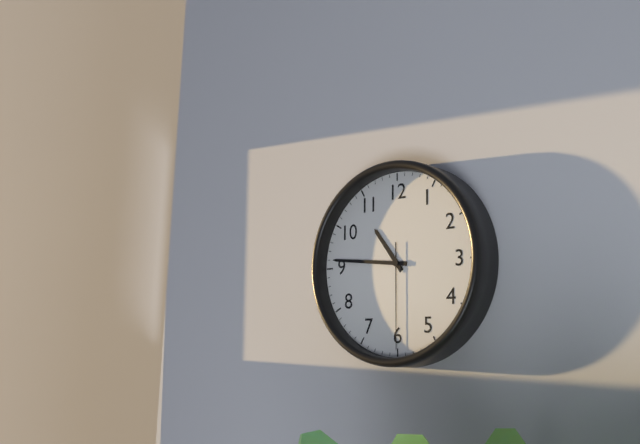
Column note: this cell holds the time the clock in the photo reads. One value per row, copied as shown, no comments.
10:46:30
